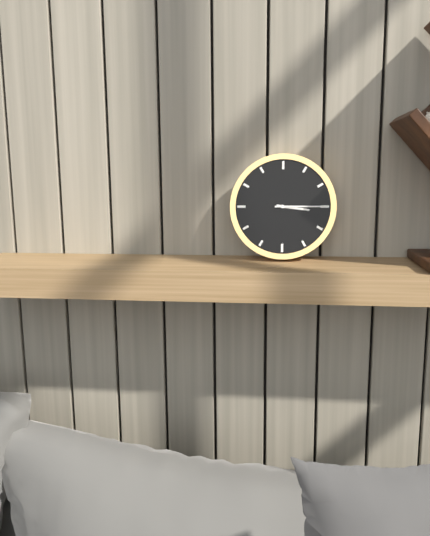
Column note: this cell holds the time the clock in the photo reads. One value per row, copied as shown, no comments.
3:15
